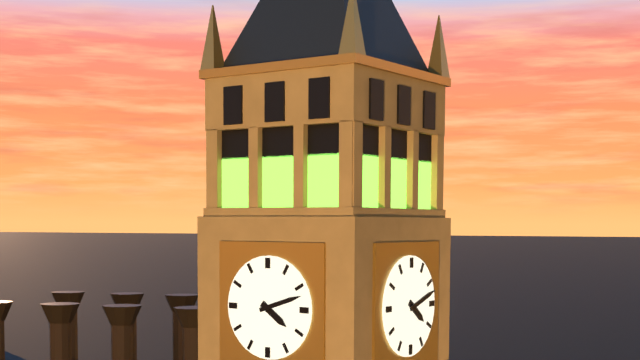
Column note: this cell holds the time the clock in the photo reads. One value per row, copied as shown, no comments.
4:12
